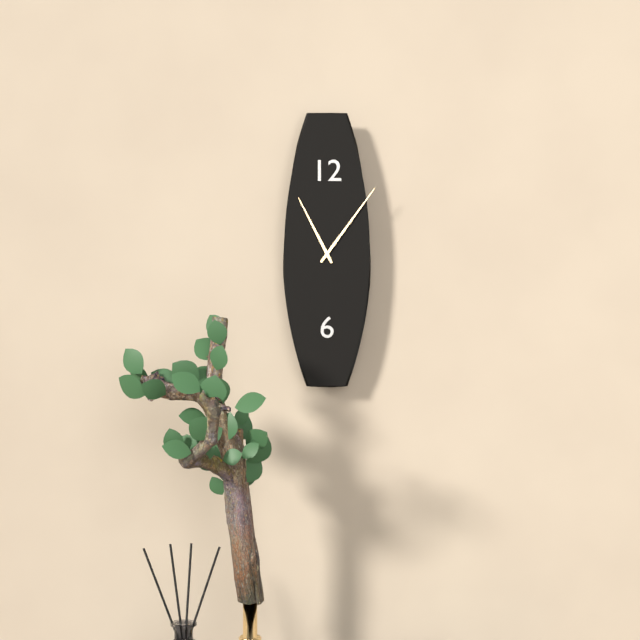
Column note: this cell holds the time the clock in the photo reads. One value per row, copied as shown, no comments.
11:06
